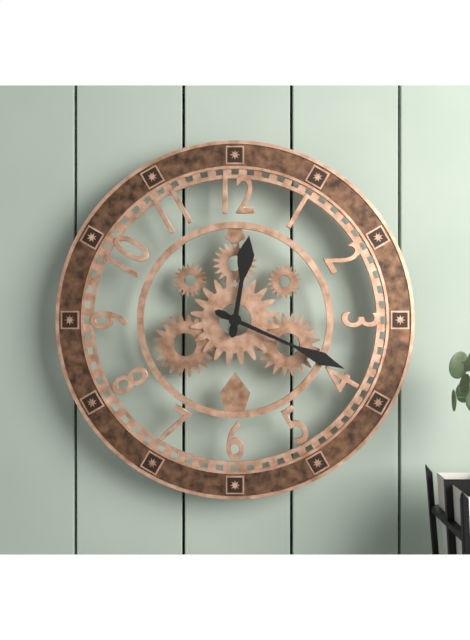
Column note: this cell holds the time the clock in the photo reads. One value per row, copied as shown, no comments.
12:19
